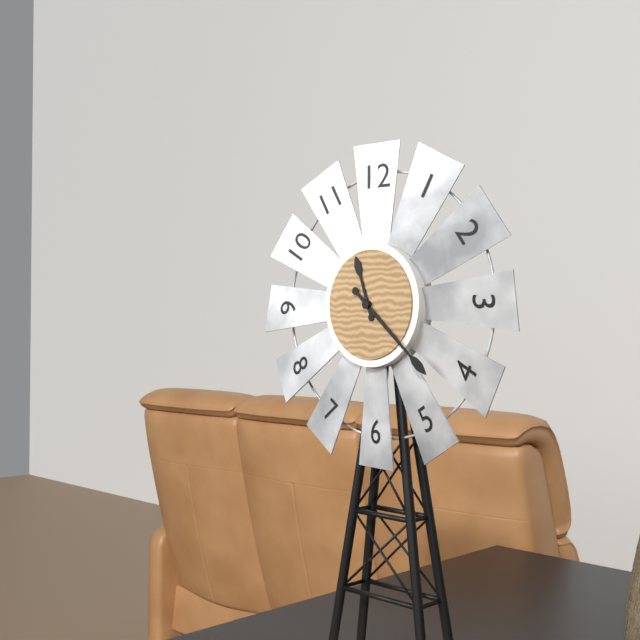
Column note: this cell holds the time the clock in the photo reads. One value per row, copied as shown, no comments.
11:22
